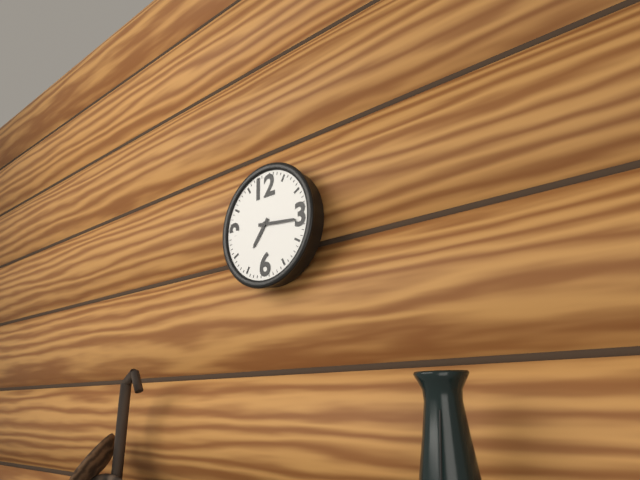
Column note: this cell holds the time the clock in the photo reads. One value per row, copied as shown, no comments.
7:16
